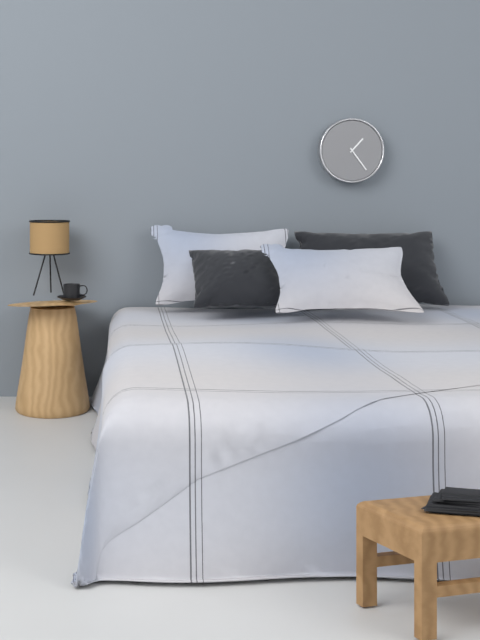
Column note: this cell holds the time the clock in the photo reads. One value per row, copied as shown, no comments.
1:24
